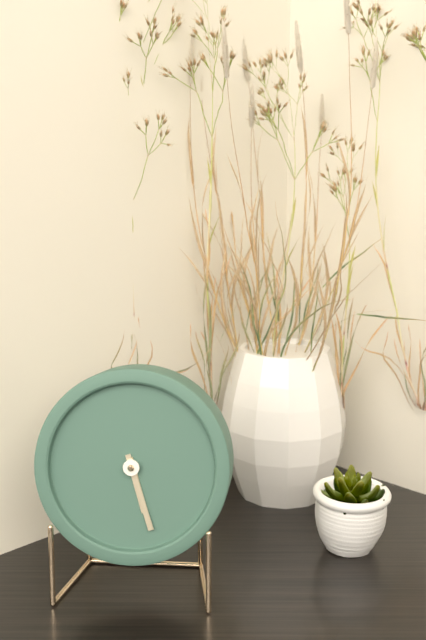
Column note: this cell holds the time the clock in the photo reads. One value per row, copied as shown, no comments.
5:27
